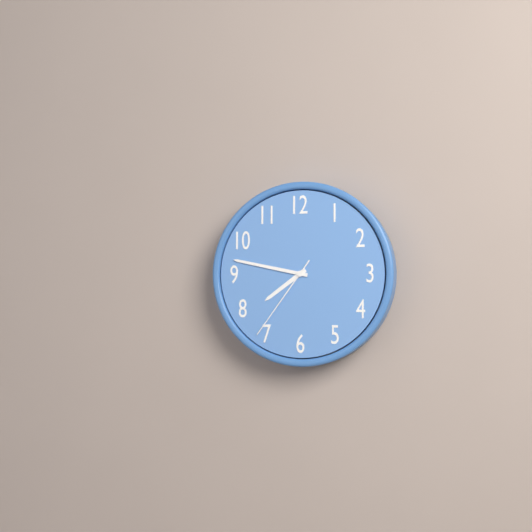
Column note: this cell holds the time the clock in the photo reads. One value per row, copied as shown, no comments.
7:47:36
